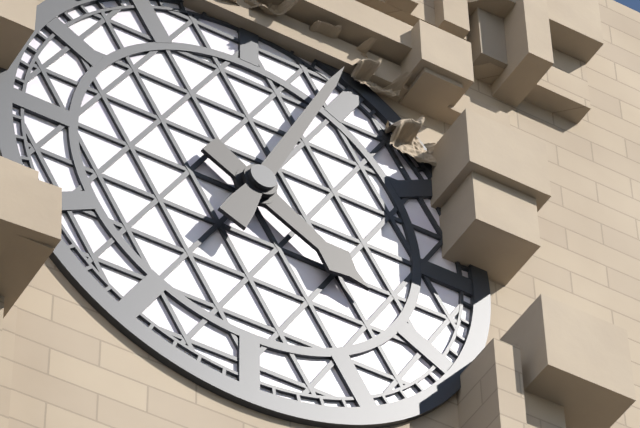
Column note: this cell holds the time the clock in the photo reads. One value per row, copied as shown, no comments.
4:04
